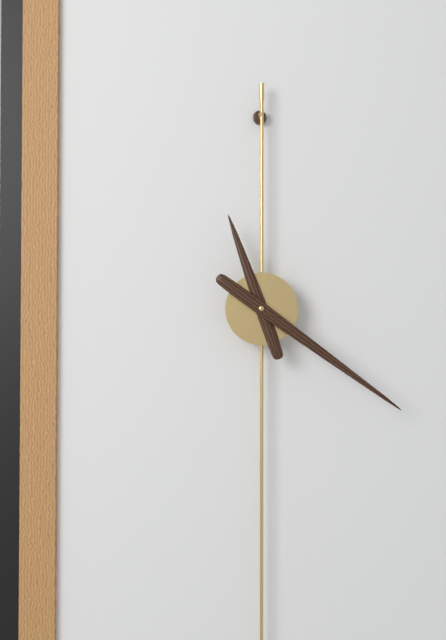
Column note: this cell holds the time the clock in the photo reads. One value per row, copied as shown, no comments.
11:21
